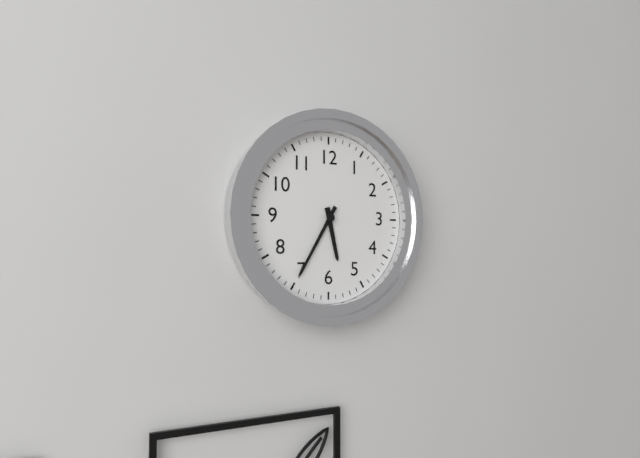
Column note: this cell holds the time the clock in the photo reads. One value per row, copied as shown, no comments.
5:35
